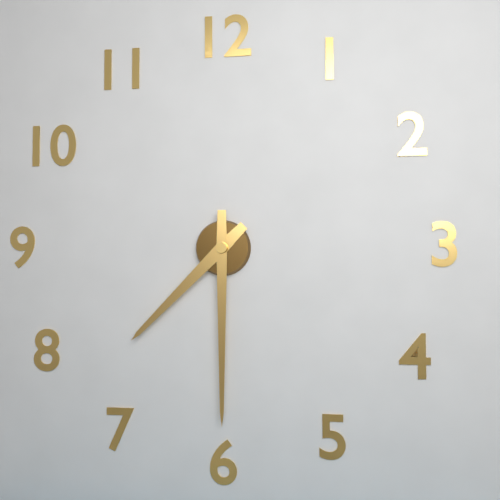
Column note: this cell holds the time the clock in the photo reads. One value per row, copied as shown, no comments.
7:30
